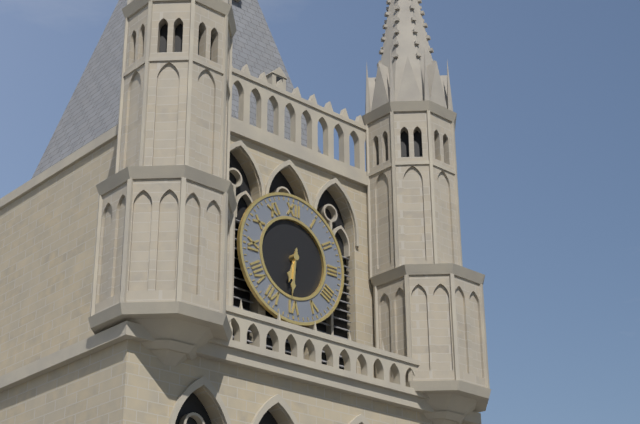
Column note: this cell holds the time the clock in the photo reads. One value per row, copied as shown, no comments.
6:31
